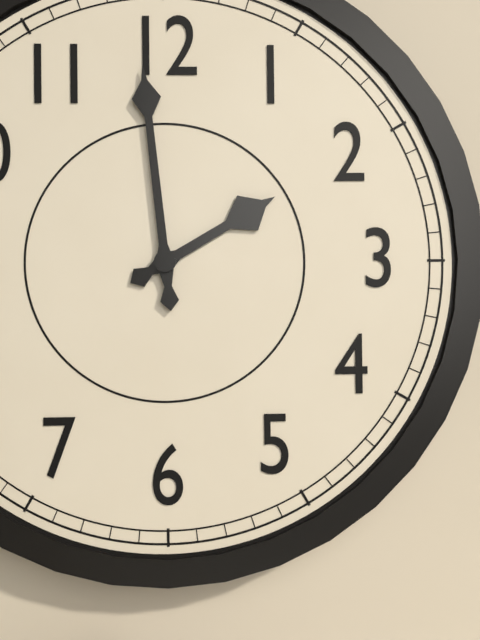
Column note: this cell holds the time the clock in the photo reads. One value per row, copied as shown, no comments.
1:59
